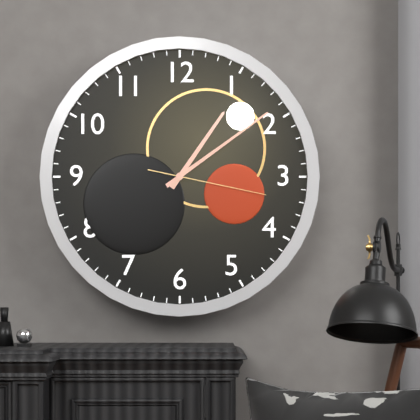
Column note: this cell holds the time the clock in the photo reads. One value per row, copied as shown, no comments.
1:09:17
